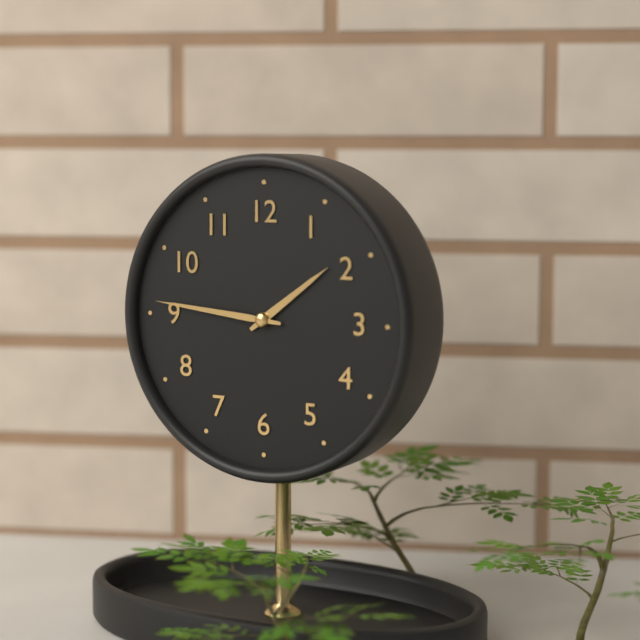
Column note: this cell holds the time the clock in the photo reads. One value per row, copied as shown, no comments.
1:46
